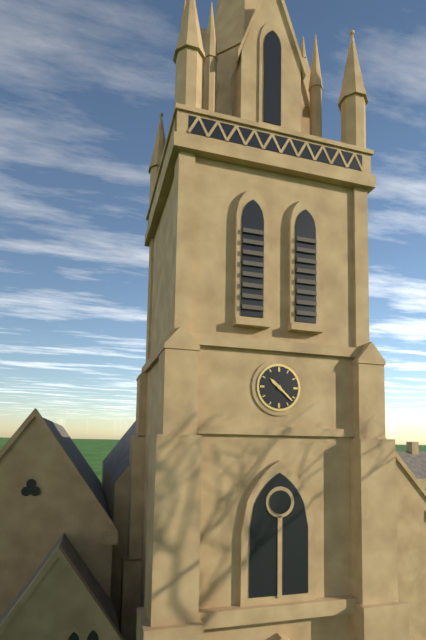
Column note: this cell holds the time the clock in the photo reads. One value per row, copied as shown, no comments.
10:22
